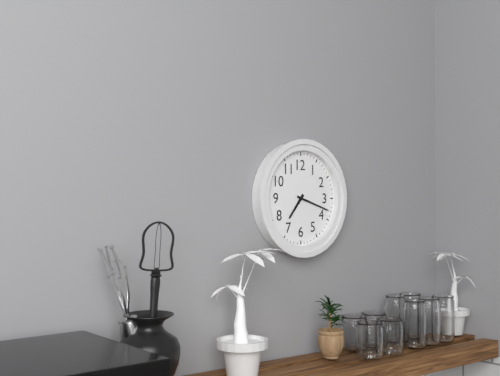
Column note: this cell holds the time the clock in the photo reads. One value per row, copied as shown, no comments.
7:18
